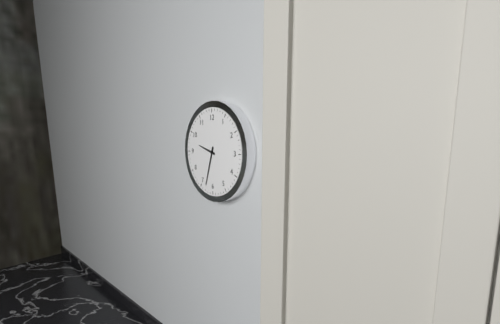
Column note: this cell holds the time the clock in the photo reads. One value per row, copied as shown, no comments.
9:33
